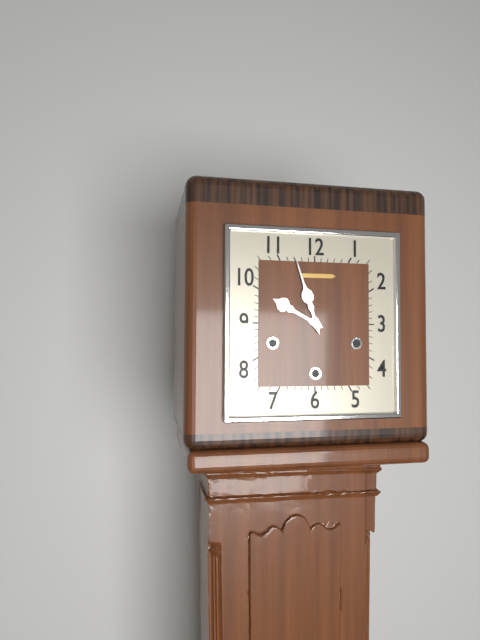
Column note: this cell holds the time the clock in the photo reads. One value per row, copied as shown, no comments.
9:57
